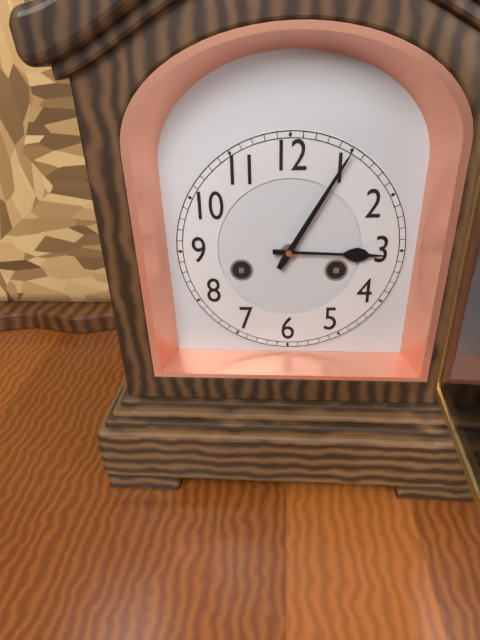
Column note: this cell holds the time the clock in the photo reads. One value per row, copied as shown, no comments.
3:05
